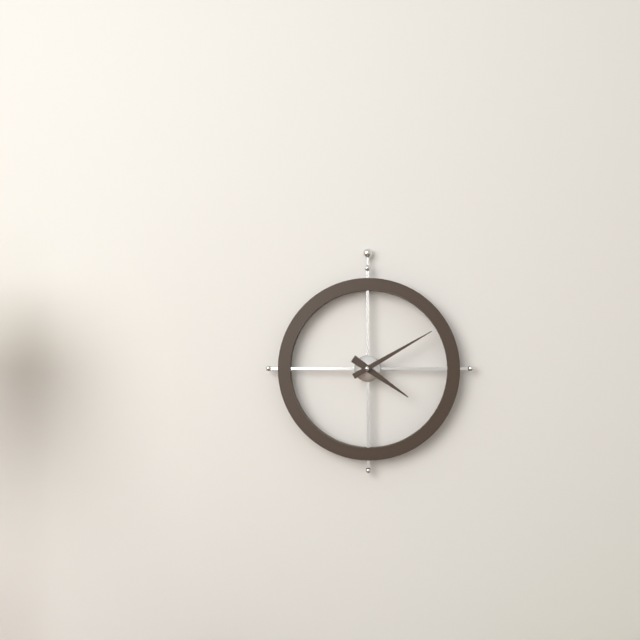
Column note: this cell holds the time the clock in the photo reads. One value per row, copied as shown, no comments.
4:10
